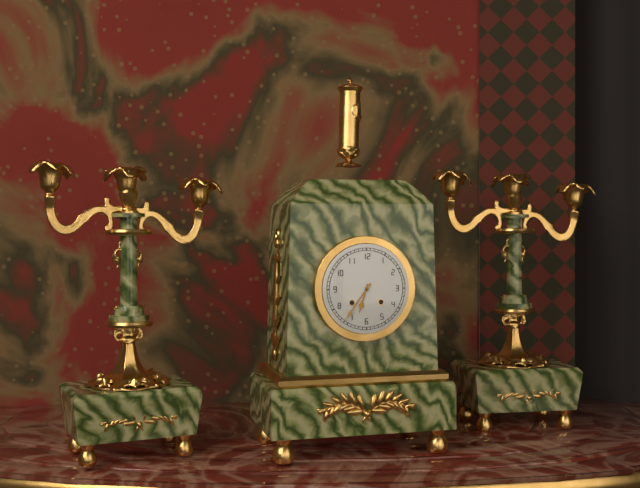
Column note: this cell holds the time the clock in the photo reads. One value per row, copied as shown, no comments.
6:36
